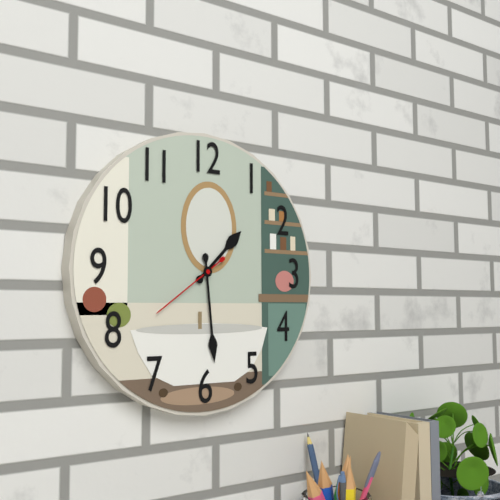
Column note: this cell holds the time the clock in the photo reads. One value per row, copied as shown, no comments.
1:29:39
